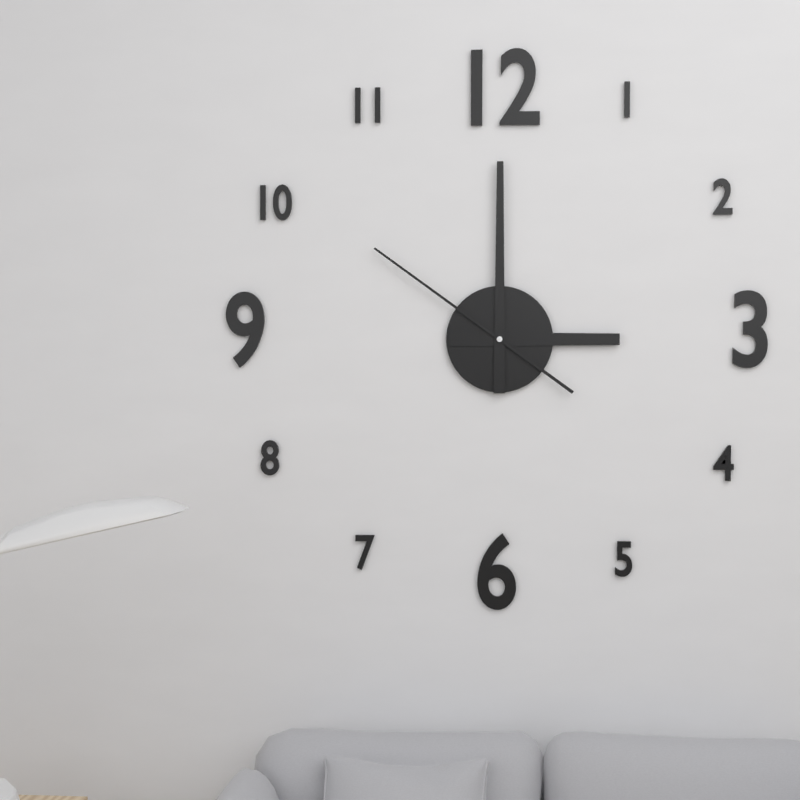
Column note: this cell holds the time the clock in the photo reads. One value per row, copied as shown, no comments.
3:00:51
